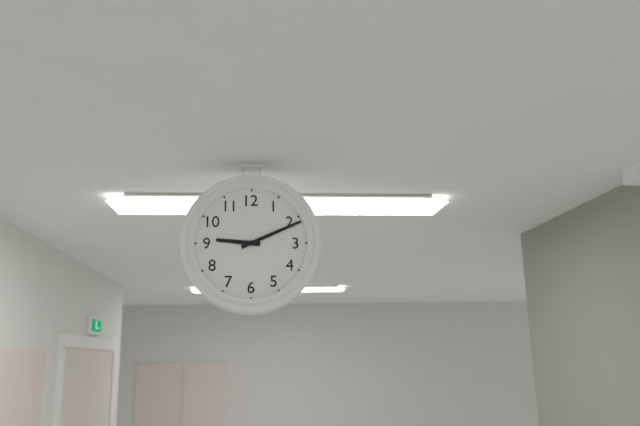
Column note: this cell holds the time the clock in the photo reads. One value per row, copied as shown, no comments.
9:11
